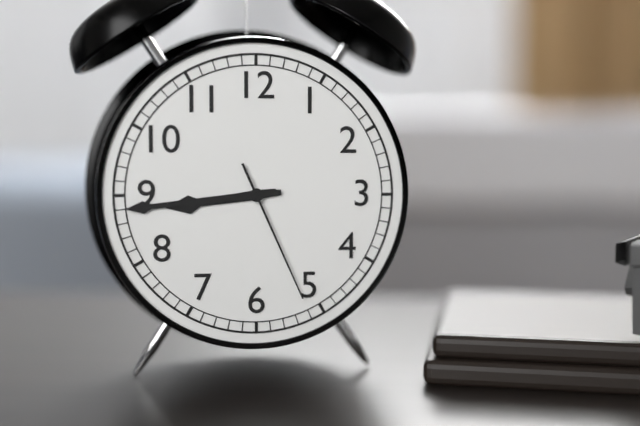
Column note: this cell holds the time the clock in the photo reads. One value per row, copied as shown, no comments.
8:44:26
